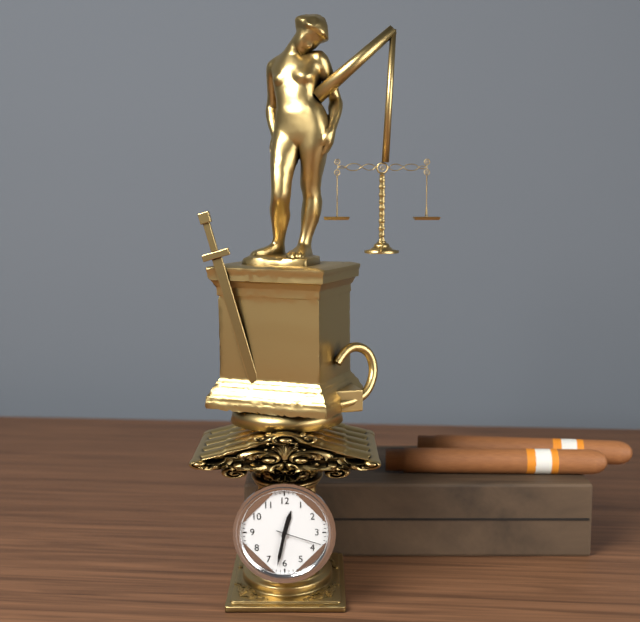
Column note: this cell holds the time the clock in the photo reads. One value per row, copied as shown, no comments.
12:32
